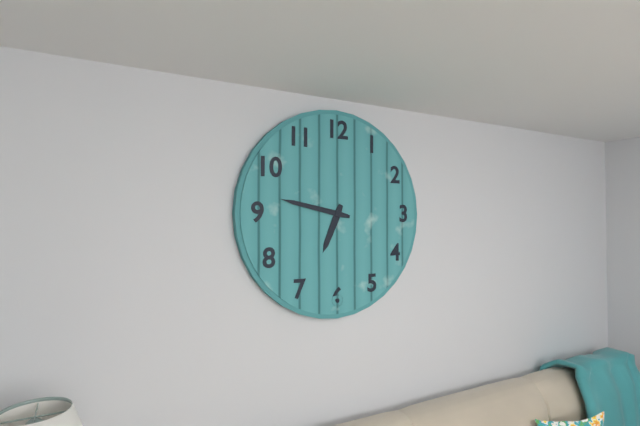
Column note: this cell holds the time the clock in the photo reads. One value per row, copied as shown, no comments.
6:47
